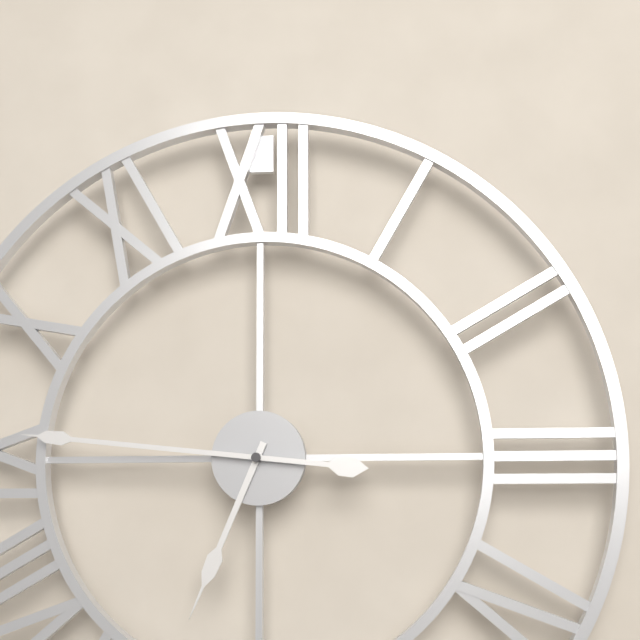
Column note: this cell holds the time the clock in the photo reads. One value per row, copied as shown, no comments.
6:46
